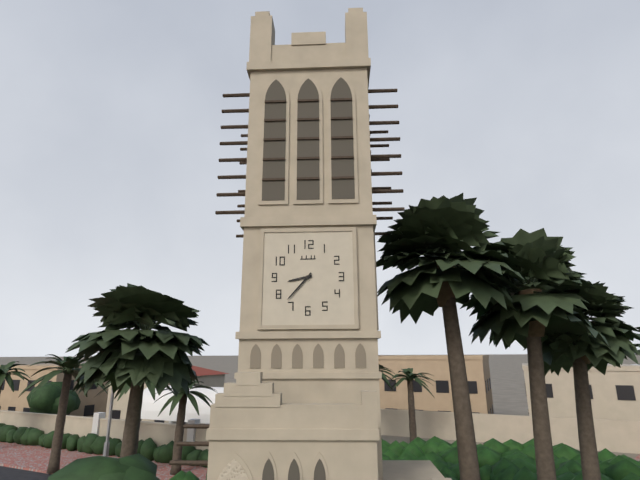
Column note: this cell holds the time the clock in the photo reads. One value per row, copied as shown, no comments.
8:37
